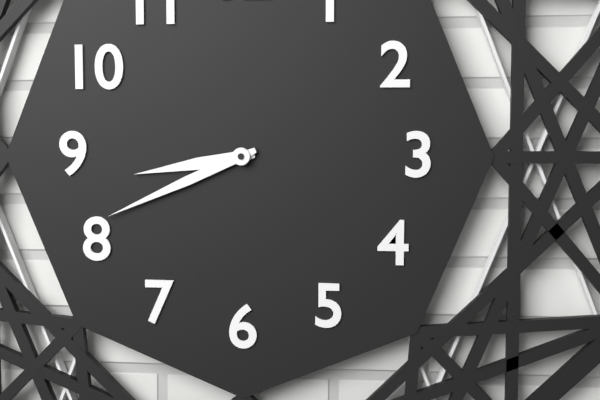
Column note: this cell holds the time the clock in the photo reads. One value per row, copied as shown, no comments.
8:41
